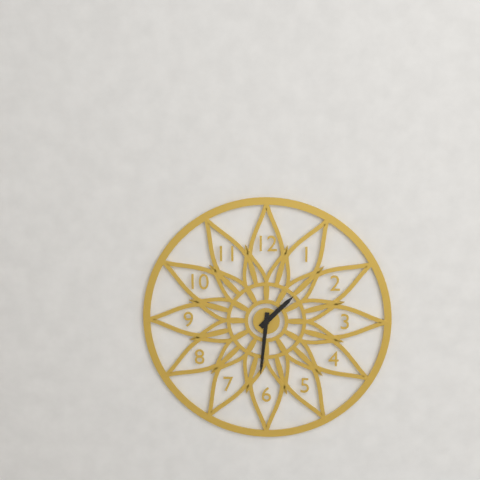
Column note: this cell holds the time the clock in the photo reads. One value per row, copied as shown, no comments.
1:31
